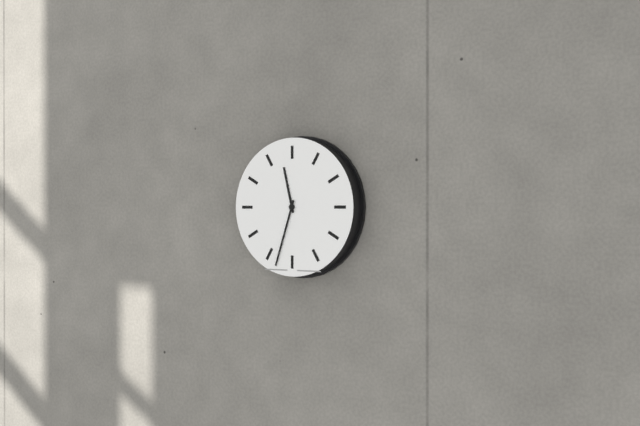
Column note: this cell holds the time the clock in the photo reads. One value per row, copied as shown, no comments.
11:33
